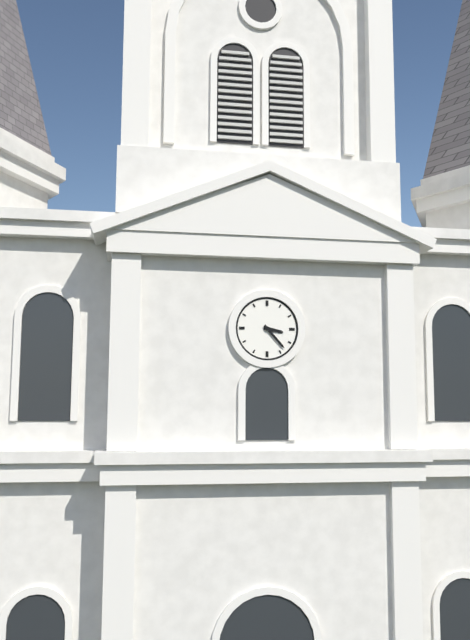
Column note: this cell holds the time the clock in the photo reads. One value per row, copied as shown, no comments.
3:23
